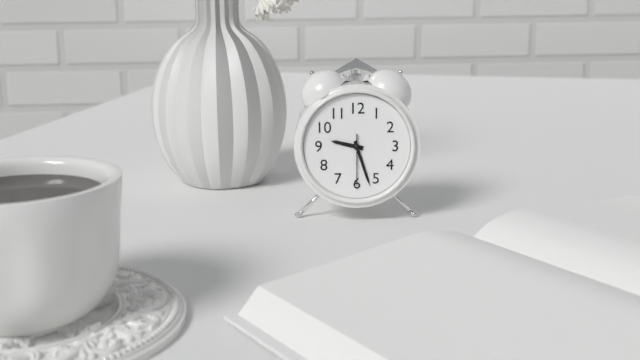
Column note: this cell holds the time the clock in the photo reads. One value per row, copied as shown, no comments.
9:27:30
